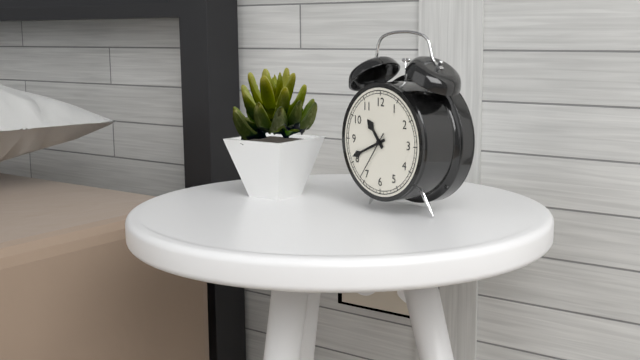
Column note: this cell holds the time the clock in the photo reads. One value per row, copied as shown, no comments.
10:41
